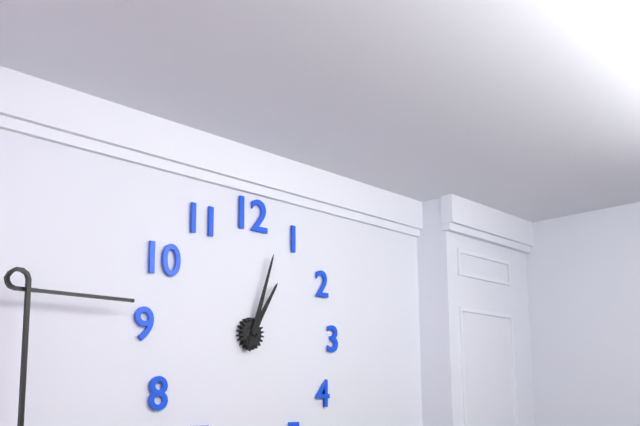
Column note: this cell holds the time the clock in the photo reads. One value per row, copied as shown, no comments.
1:03
